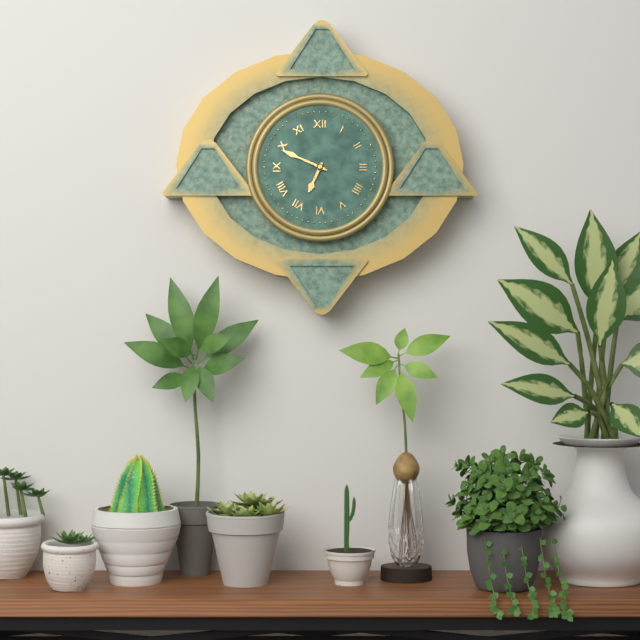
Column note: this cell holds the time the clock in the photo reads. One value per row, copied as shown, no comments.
6:49
